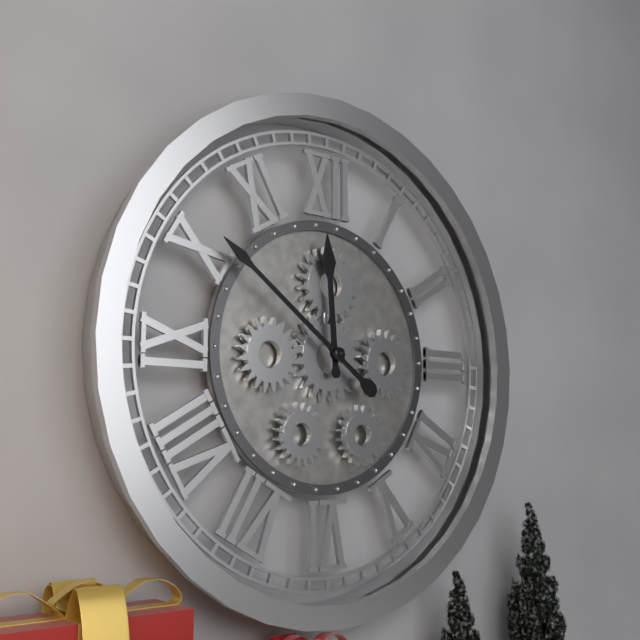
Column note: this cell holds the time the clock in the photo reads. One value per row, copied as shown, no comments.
11:51
